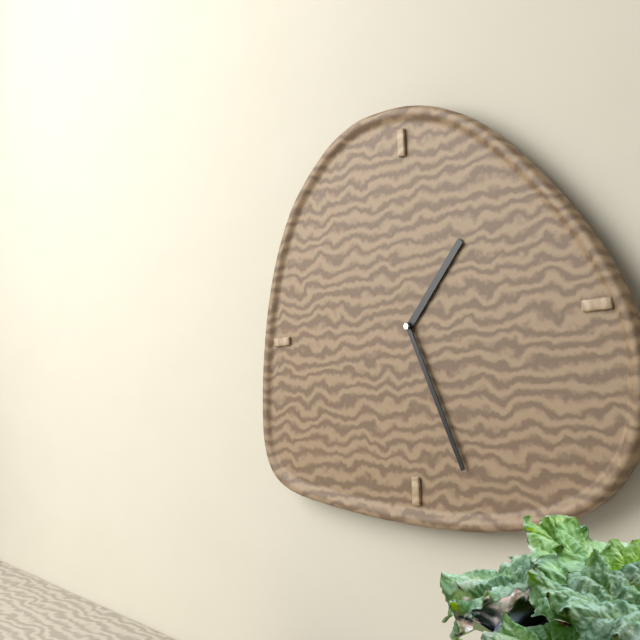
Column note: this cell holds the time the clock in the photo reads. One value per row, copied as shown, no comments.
1:26
